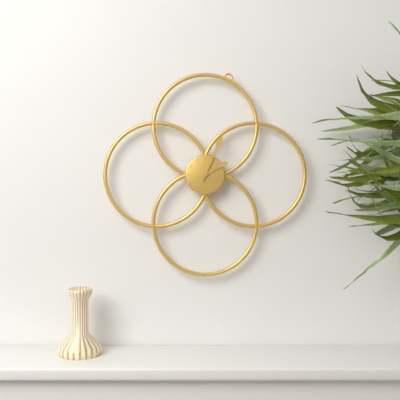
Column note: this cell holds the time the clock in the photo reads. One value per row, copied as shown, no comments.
2:04
